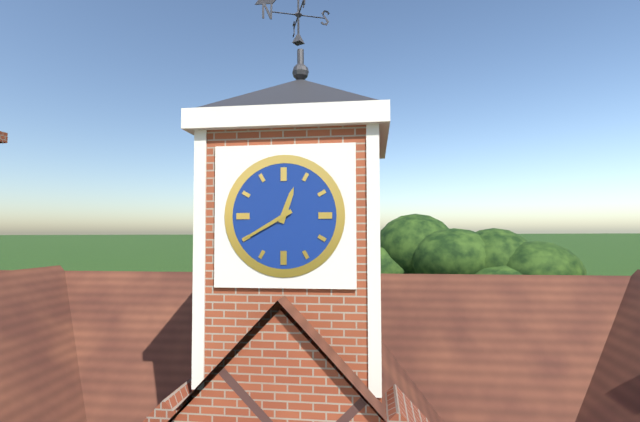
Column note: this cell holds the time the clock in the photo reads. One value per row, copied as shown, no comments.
12:40
